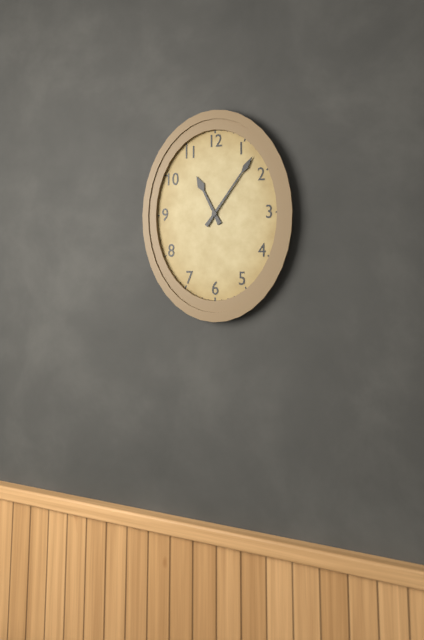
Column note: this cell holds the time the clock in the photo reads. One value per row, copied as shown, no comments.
11:06
